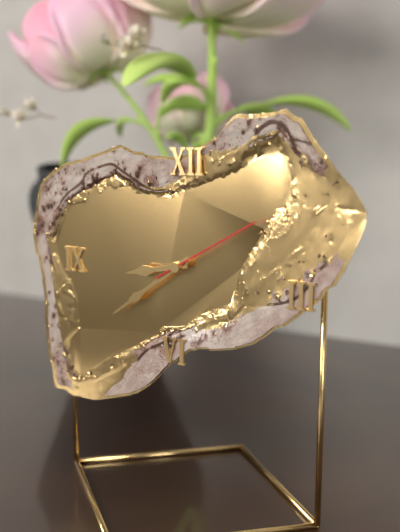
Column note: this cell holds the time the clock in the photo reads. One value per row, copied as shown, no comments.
8:39:10
